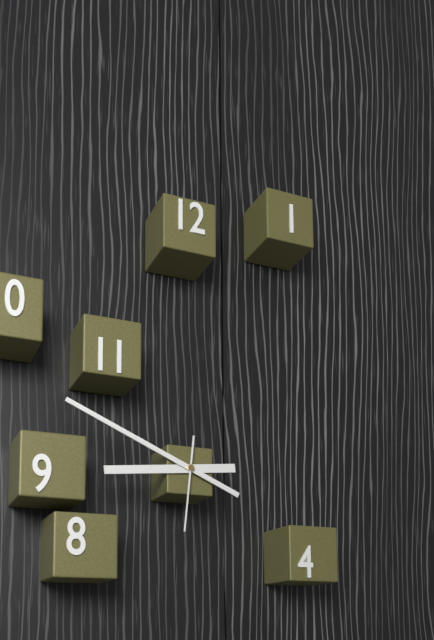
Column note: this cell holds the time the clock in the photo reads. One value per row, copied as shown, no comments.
8:49:31
